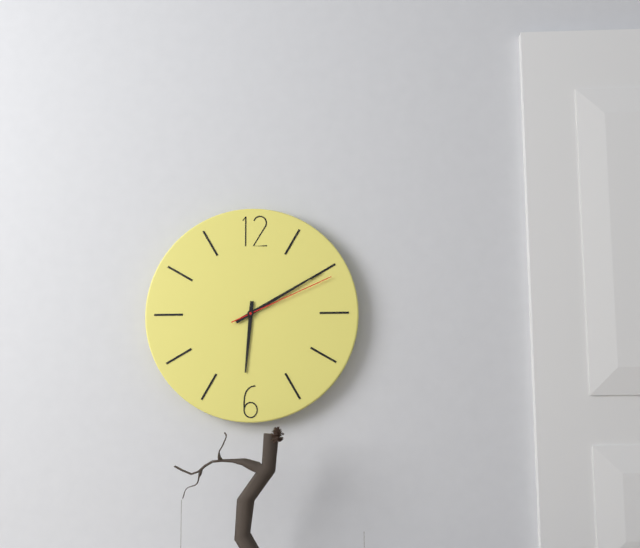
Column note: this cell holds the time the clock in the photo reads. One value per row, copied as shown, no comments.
6:10:11
